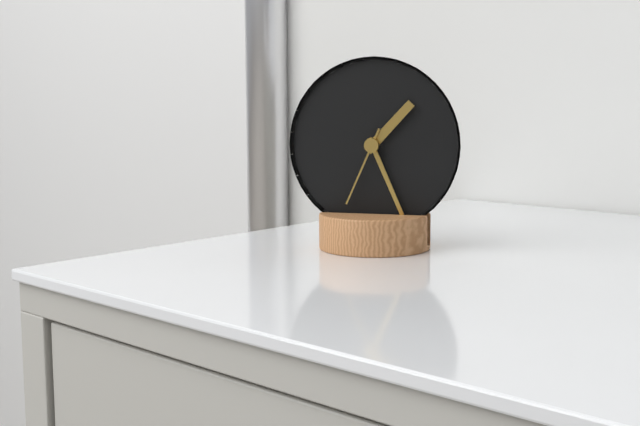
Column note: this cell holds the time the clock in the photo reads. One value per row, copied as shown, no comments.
1:26:34
